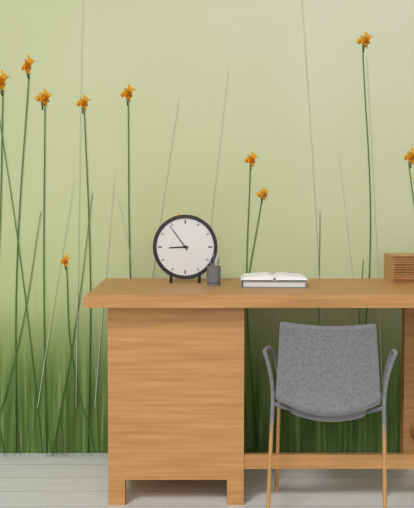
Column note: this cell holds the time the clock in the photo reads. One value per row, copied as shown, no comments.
8:54
